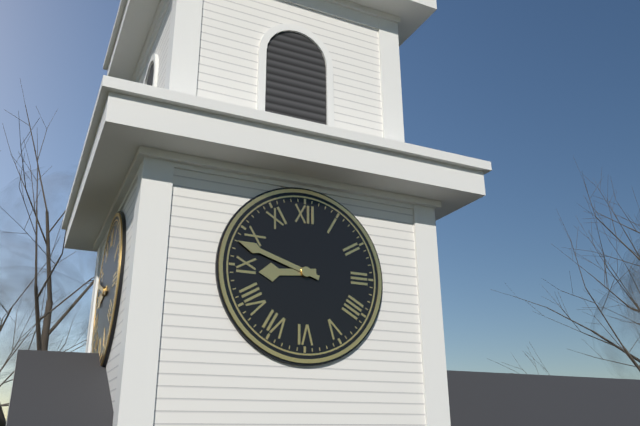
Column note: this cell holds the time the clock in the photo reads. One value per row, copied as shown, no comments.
8:48
